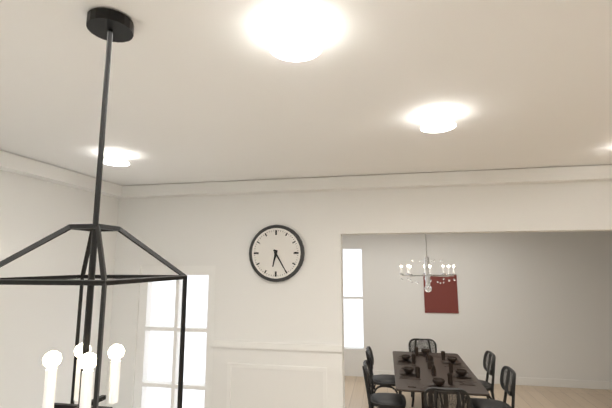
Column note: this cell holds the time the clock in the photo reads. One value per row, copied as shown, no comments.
6:25
